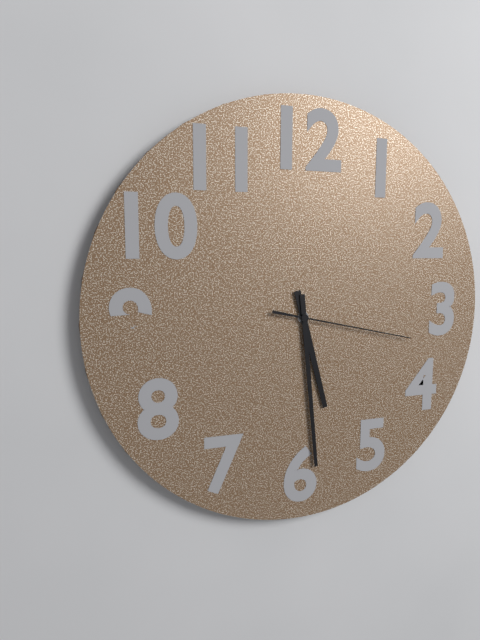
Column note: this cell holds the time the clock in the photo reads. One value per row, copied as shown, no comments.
5:29:17
